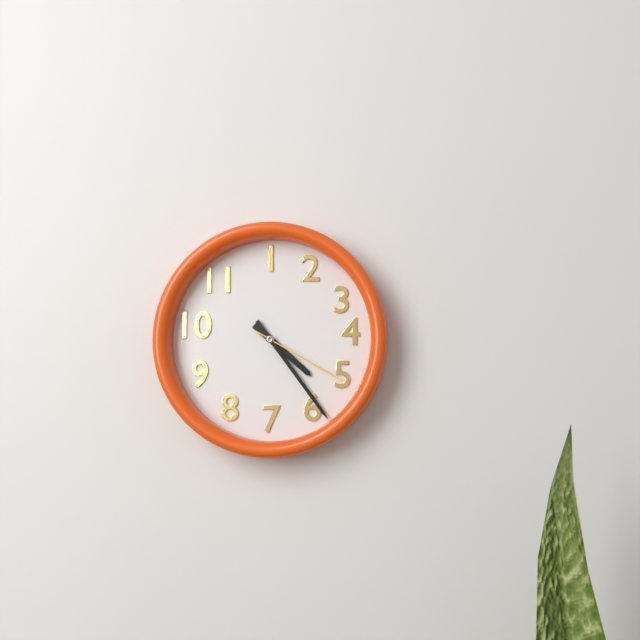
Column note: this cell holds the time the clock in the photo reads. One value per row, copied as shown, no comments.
4:24:20
